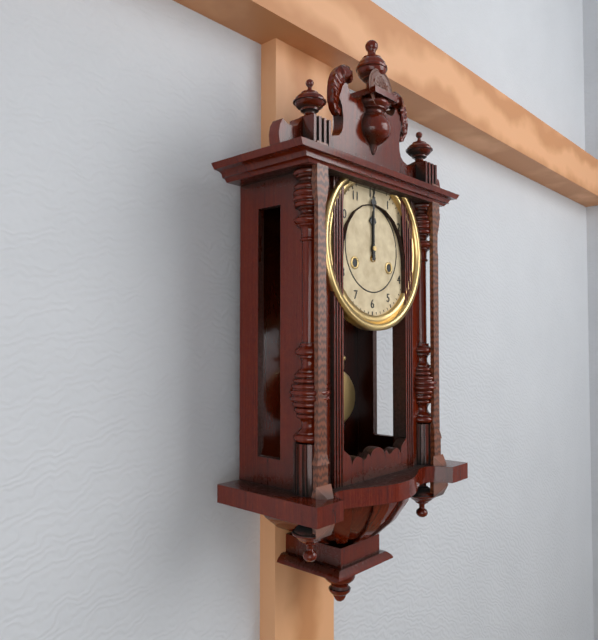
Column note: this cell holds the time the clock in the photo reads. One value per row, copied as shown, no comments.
12:00
